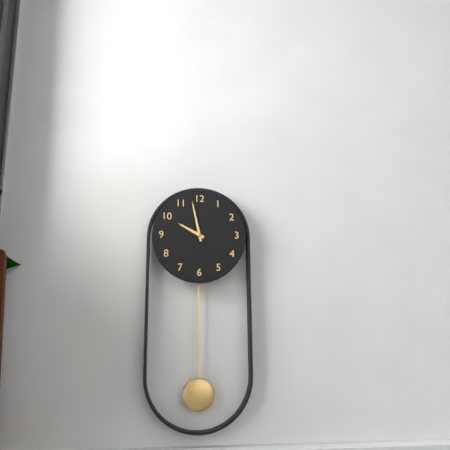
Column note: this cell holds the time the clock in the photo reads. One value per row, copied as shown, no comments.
9:58
